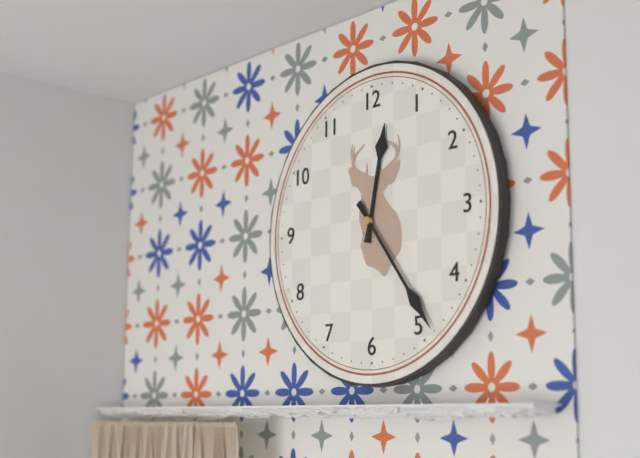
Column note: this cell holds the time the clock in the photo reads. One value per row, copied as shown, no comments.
12:24
